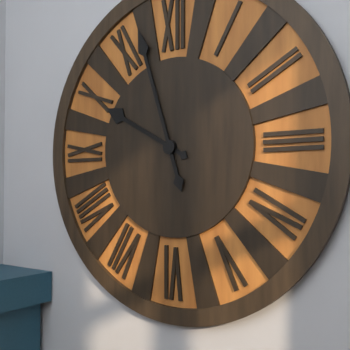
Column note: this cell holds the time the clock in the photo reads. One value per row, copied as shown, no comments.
9:57
